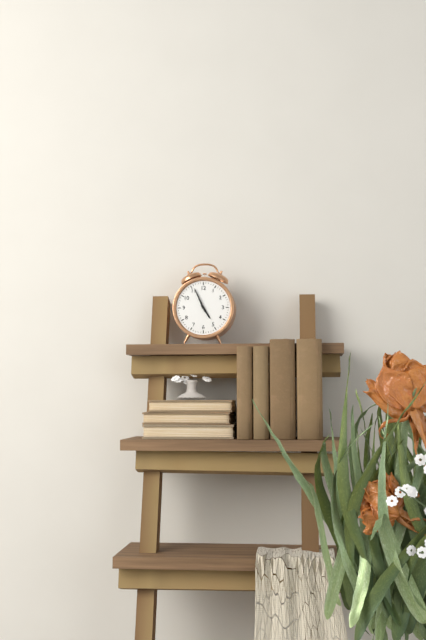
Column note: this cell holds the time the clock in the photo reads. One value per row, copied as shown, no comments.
4:56
